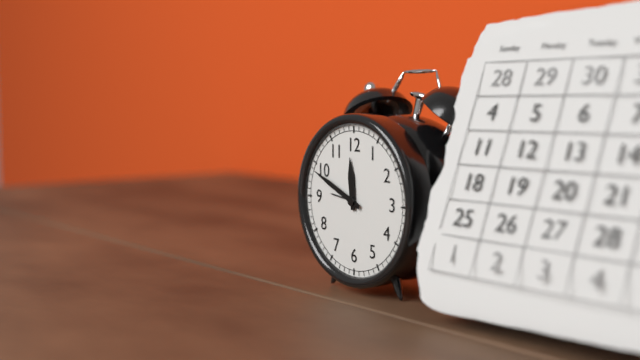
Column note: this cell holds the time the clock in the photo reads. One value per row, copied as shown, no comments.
11:49
